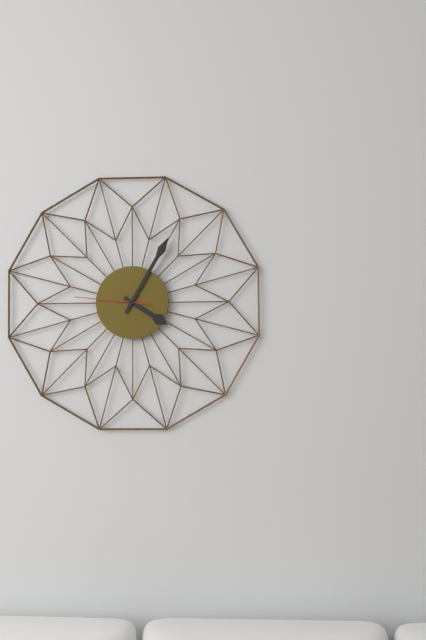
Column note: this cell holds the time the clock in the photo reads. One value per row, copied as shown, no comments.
4:05:46
